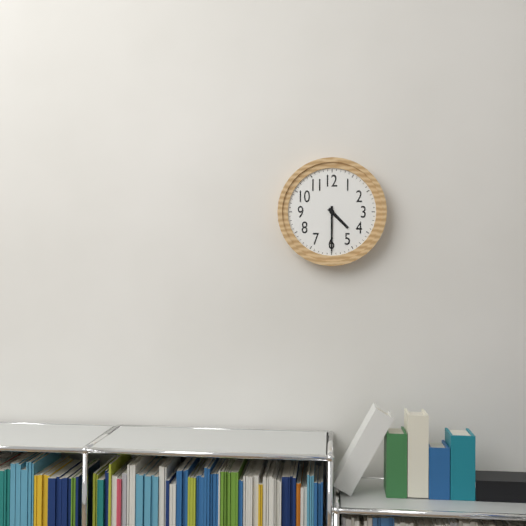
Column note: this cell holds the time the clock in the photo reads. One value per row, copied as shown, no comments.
4:30
